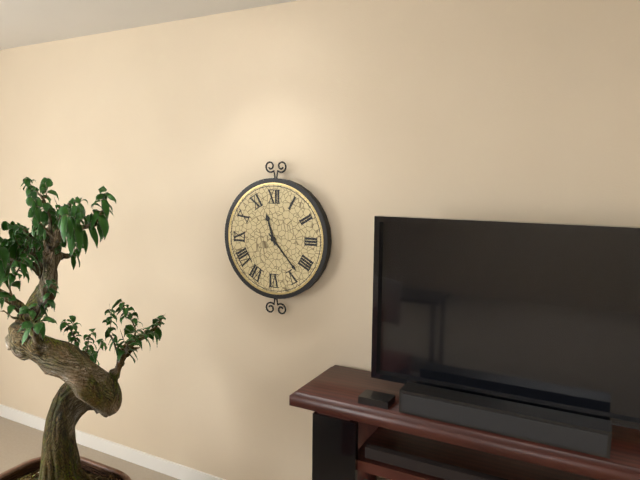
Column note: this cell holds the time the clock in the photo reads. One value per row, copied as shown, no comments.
11:23
